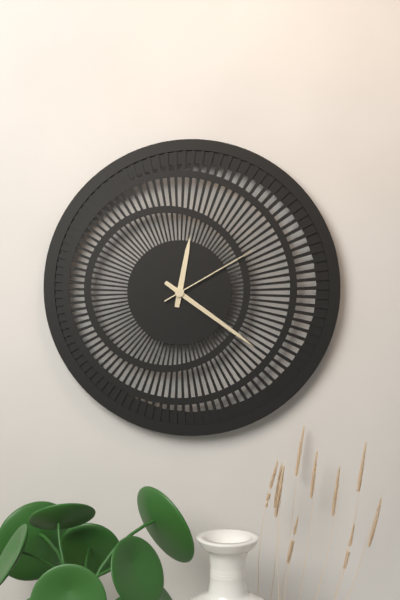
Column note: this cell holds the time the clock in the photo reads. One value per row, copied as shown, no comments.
12:21:10
